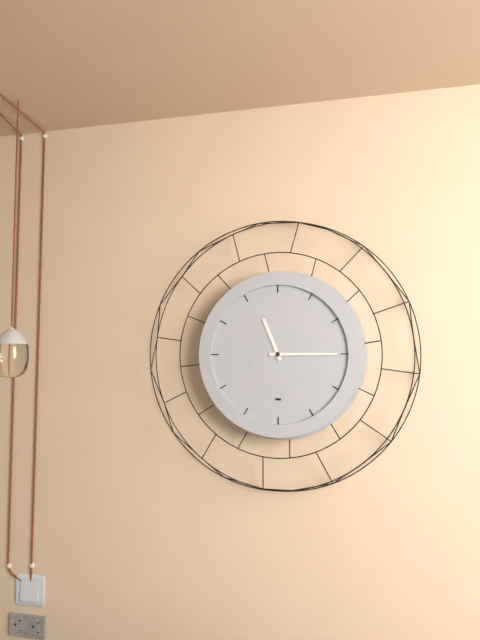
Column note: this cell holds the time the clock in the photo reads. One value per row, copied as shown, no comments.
11:15
